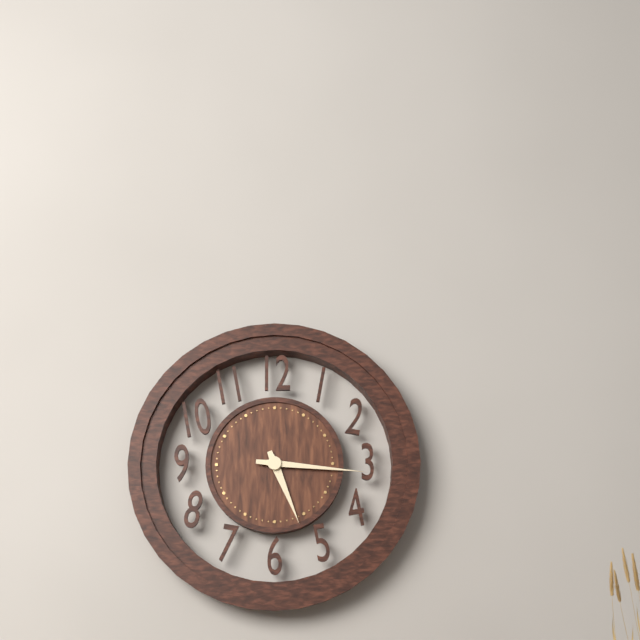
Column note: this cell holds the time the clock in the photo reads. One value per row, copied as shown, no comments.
5:16
